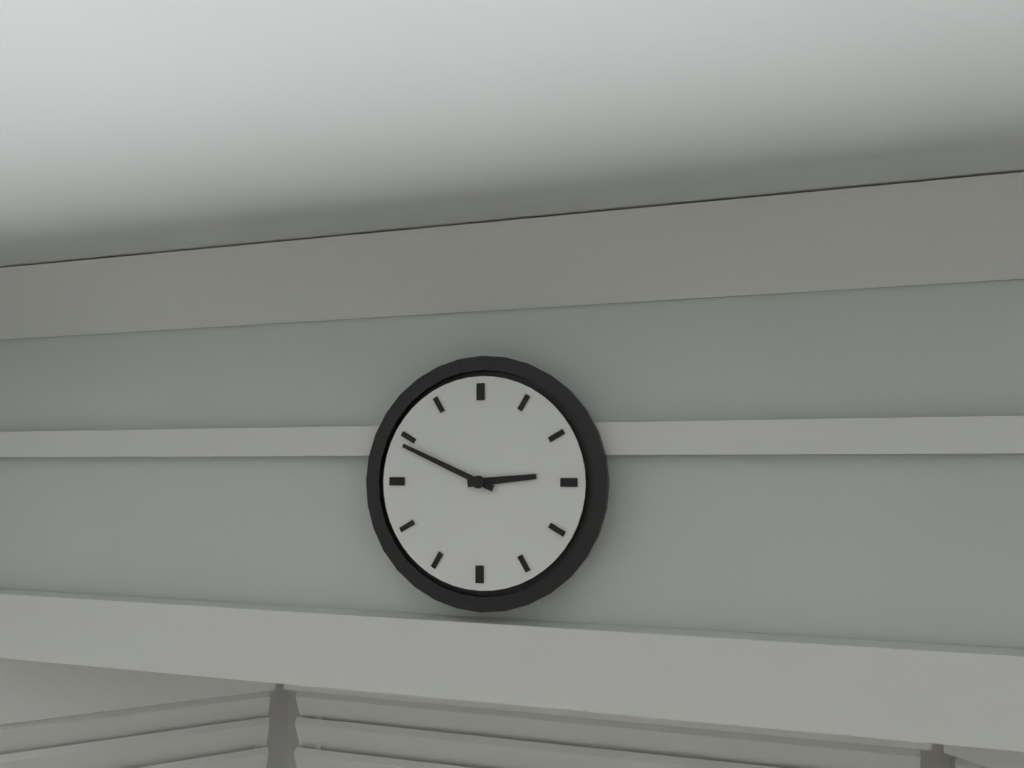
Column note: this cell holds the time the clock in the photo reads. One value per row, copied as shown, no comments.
2:49
